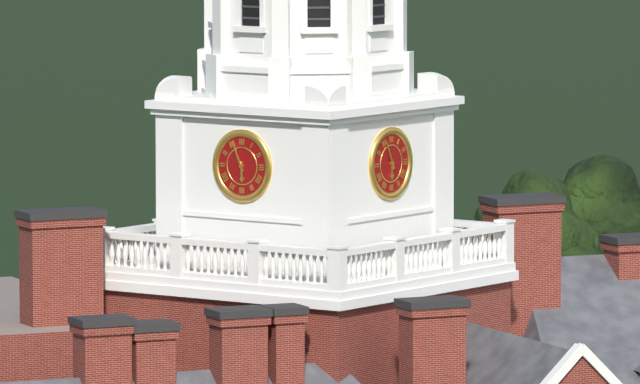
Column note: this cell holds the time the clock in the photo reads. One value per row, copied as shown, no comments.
5:56
